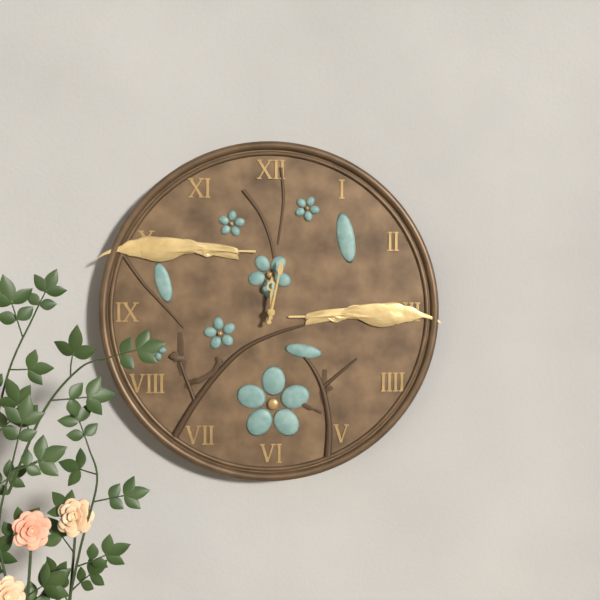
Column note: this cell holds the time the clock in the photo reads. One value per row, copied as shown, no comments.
12:02
